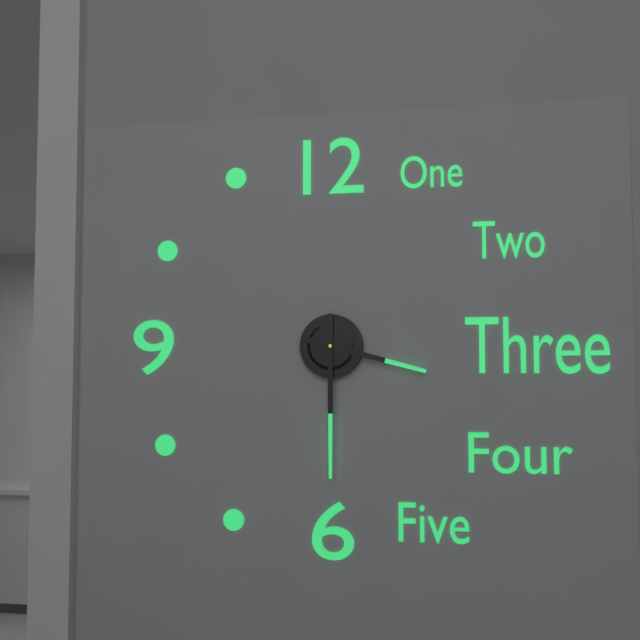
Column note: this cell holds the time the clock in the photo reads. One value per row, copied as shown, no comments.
3:30
